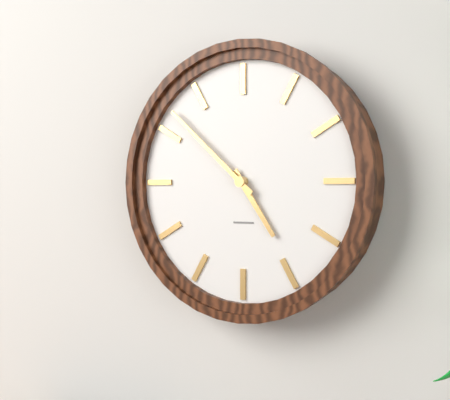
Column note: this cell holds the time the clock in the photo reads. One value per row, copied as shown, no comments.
4:52
